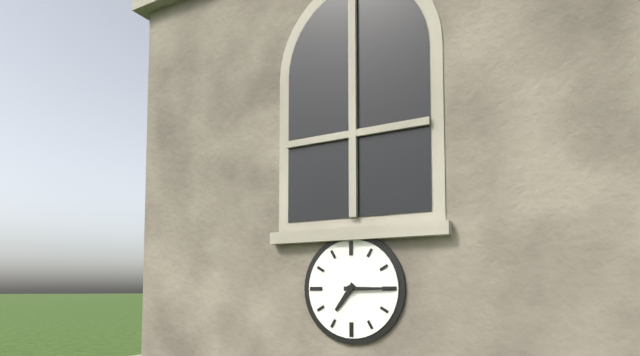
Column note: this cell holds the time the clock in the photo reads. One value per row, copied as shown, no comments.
7:15
